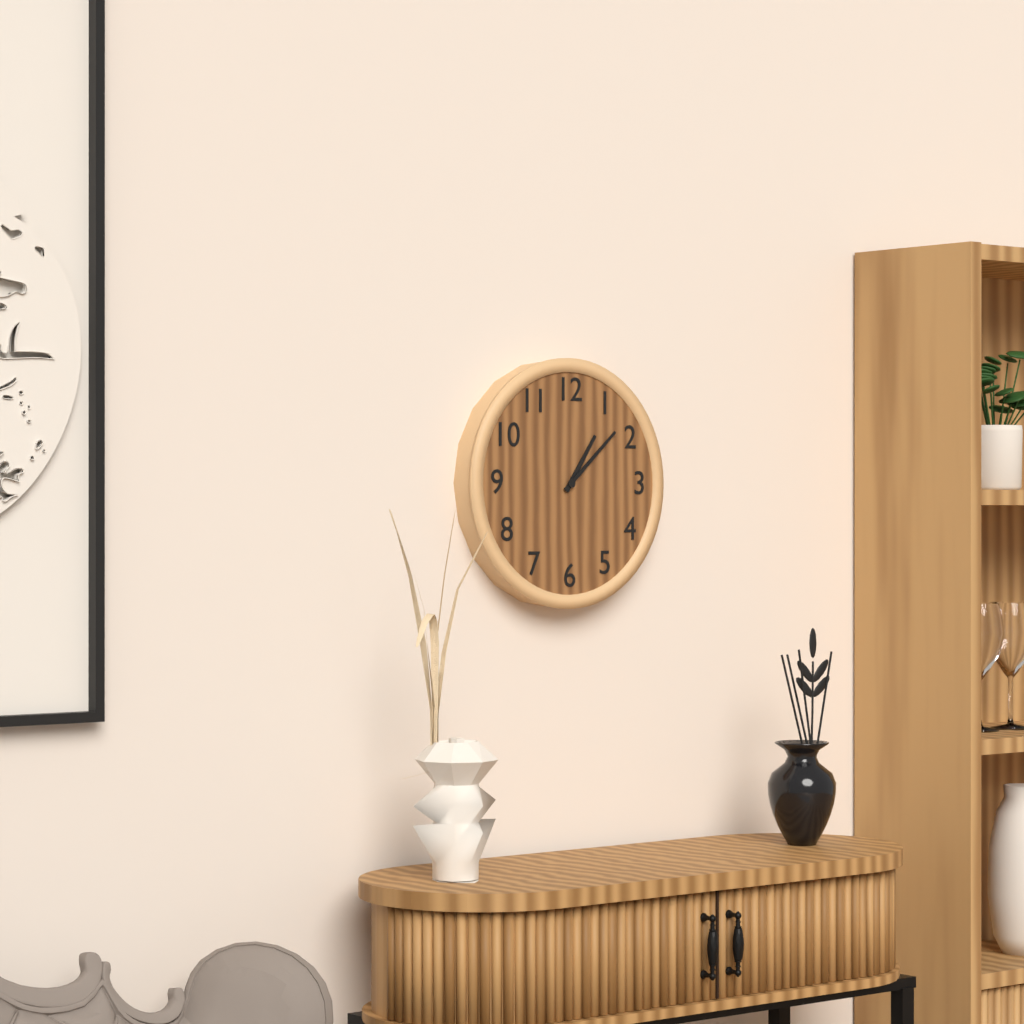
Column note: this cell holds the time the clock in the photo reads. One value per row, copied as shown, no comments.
1:08
